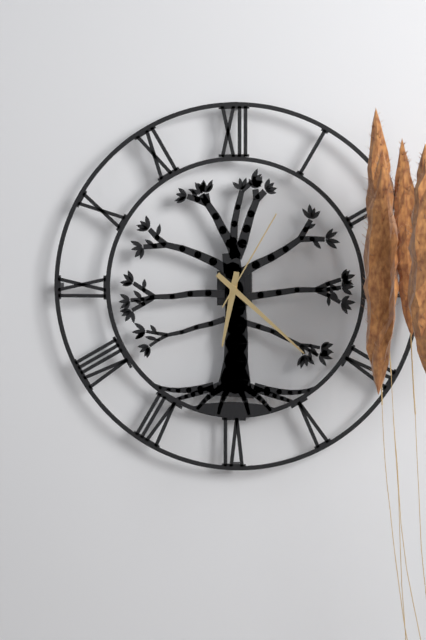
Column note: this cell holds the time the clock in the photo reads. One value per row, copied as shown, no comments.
6:22:05
